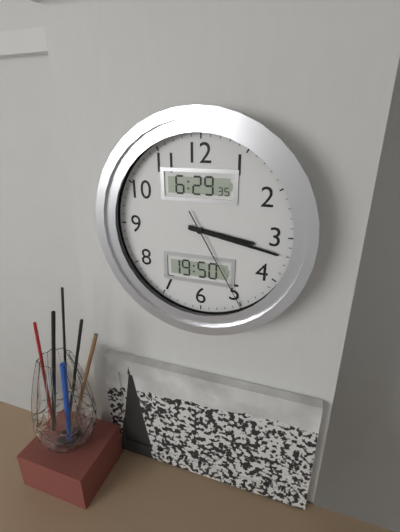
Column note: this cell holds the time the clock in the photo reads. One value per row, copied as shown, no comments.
3:17:25
